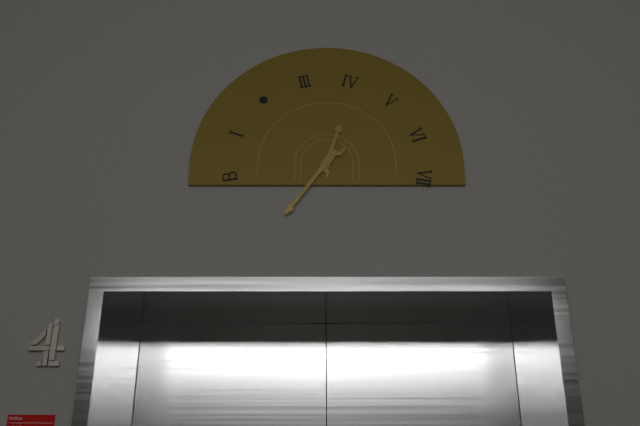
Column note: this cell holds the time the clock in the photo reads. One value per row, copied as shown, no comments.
12:36
